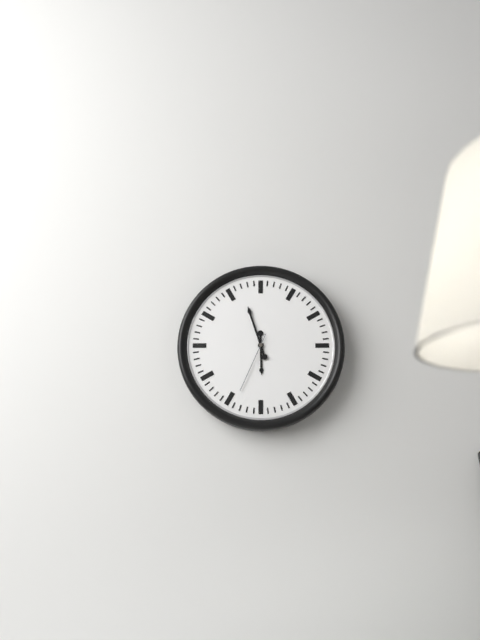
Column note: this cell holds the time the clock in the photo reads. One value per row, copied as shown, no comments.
5:57:34
